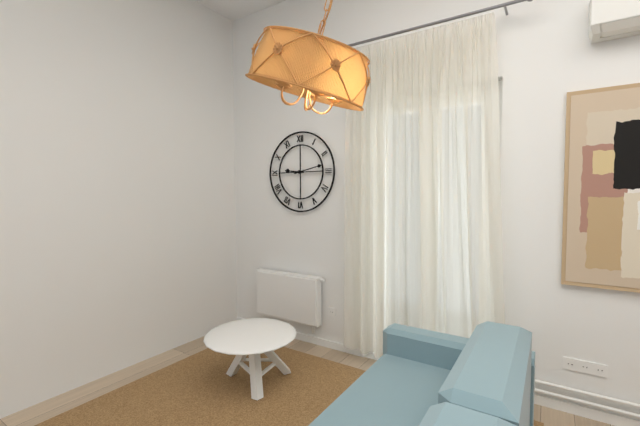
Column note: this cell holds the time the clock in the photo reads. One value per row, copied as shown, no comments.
9:13
